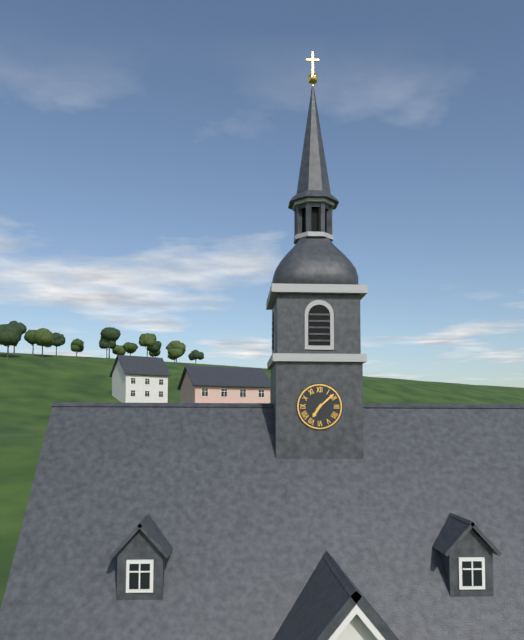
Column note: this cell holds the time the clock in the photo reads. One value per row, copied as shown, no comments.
7:08
